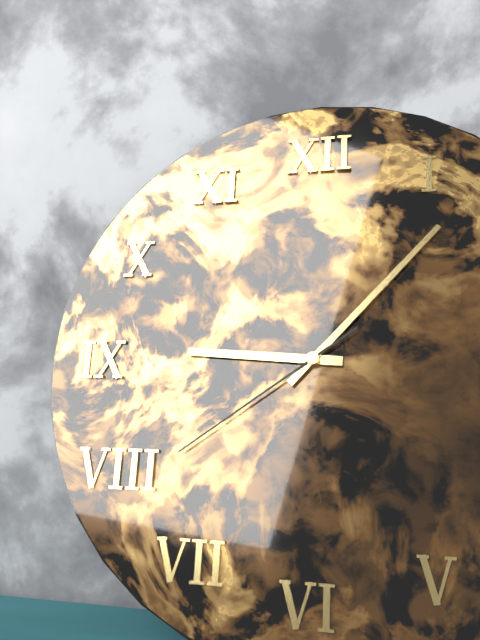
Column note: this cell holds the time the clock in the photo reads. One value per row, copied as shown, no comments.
9:07:39
